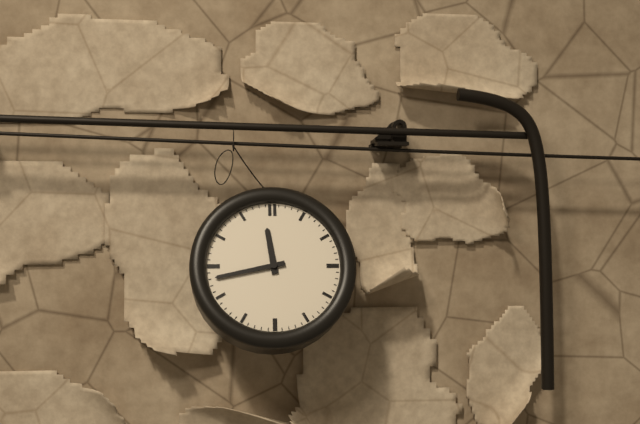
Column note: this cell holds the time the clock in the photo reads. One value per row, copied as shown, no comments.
11:43
